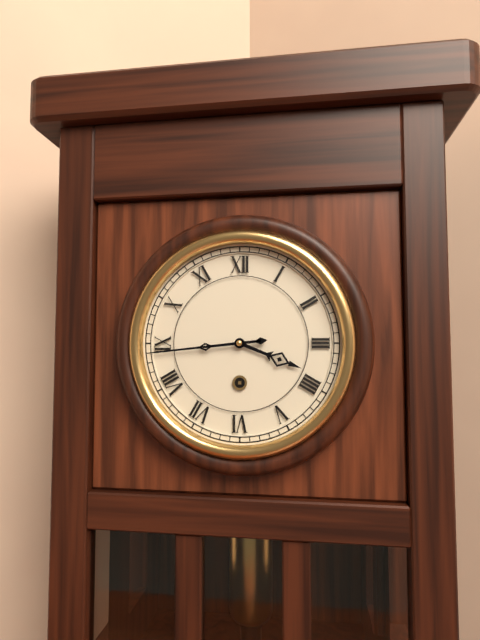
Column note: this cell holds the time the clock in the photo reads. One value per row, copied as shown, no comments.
3:44
